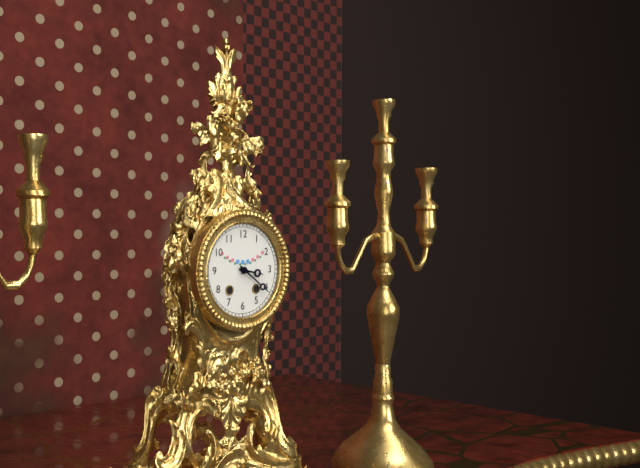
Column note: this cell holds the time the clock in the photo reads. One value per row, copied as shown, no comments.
3:21
